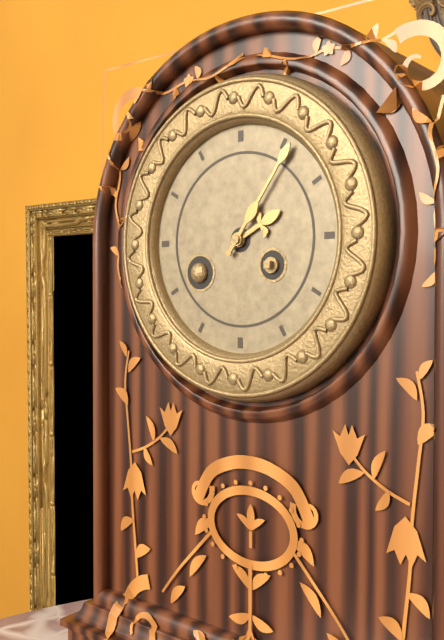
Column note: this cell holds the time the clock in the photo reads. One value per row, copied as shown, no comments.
2:06
